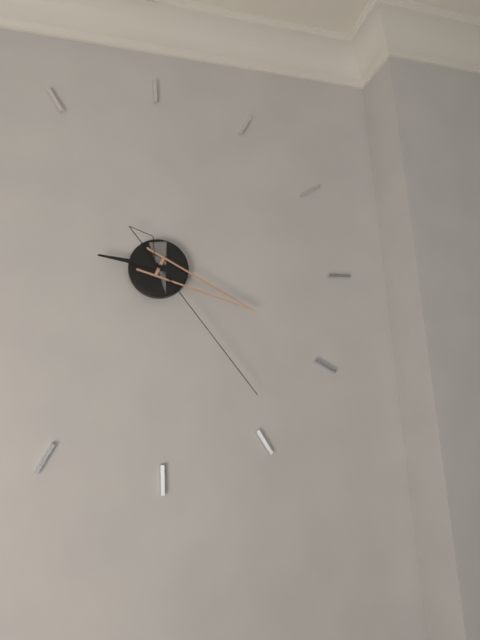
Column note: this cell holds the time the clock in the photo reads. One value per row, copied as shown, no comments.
9:19:24
